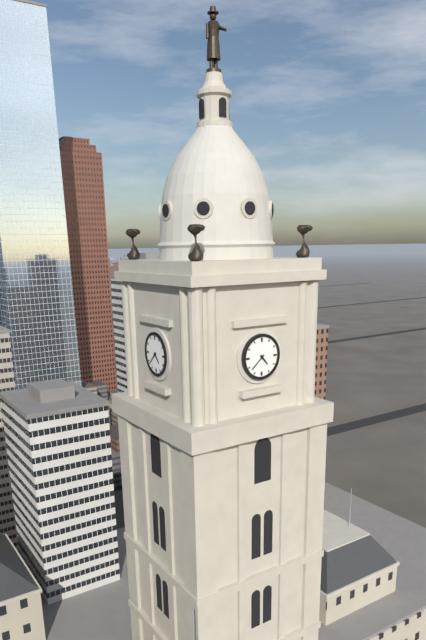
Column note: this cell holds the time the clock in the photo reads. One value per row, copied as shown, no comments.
4:38
